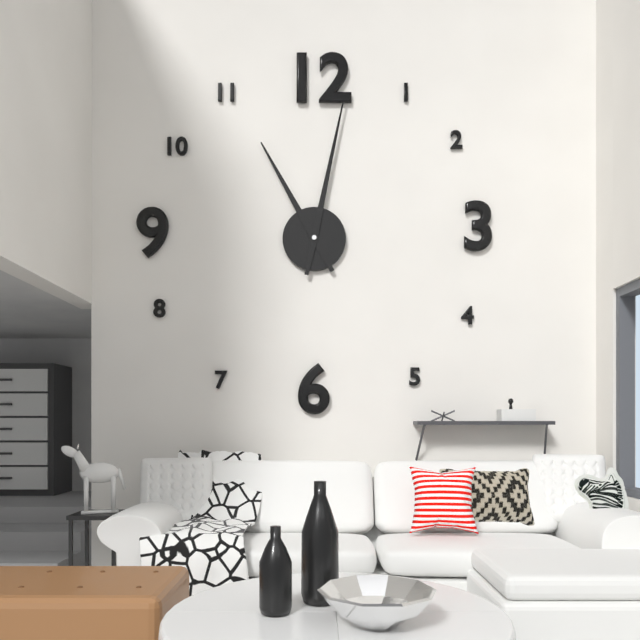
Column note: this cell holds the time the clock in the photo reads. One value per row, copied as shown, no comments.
11:02
